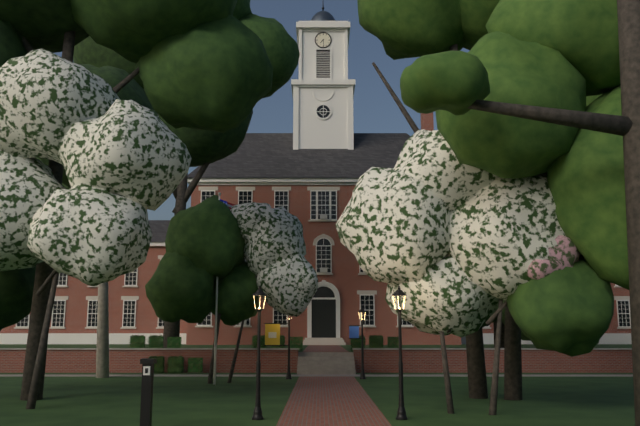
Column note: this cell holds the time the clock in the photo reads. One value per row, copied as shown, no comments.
7:29
